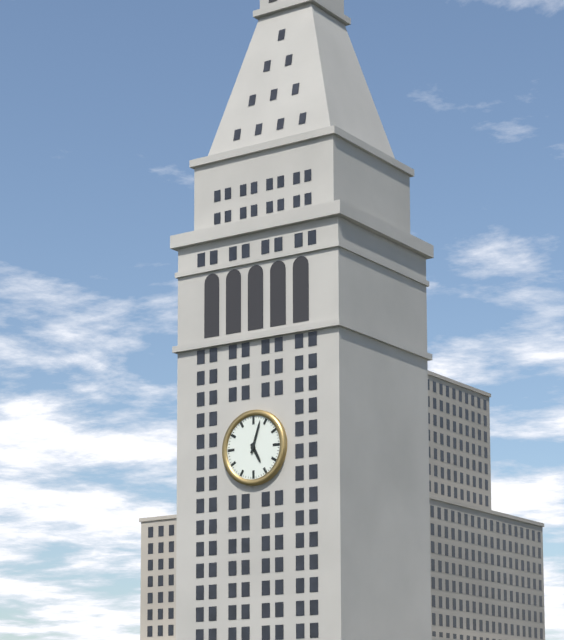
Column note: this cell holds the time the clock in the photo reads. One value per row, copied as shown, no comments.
5:03
